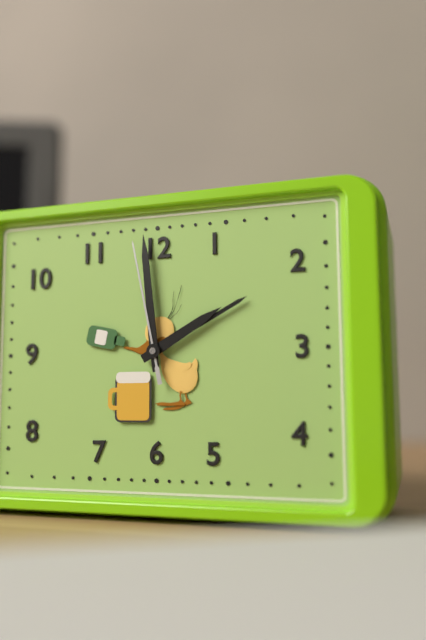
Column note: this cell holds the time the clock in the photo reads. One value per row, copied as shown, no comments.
1:59:58
